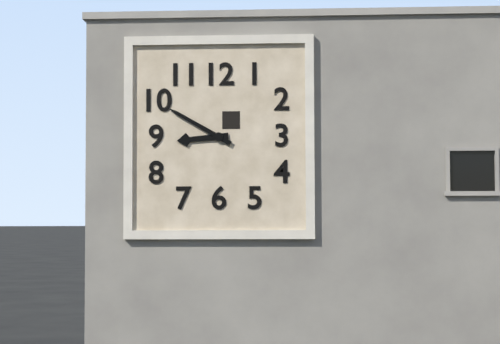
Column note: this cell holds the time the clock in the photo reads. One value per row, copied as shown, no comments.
8:50
